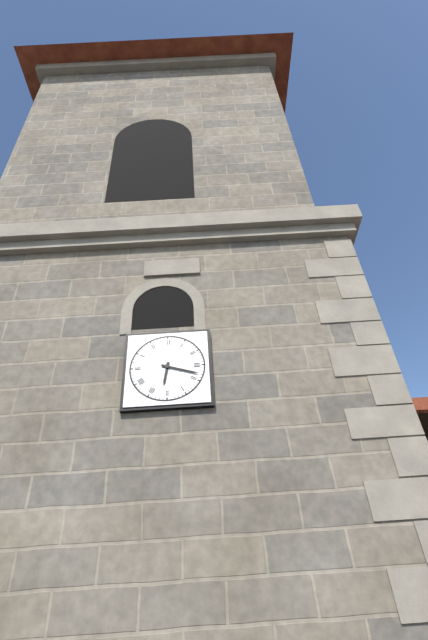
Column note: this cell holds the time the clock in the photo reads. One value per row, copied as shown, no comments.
6:18
